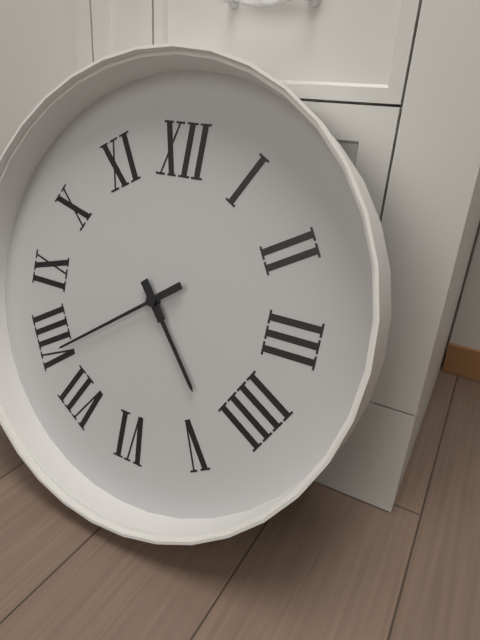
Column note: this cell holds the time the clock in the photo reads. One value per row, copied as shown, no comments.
4:39
